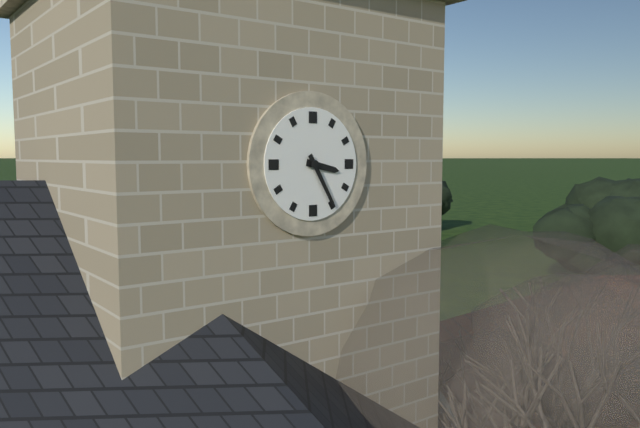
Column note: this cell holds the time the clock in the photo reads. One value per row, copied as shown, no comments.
3:25
